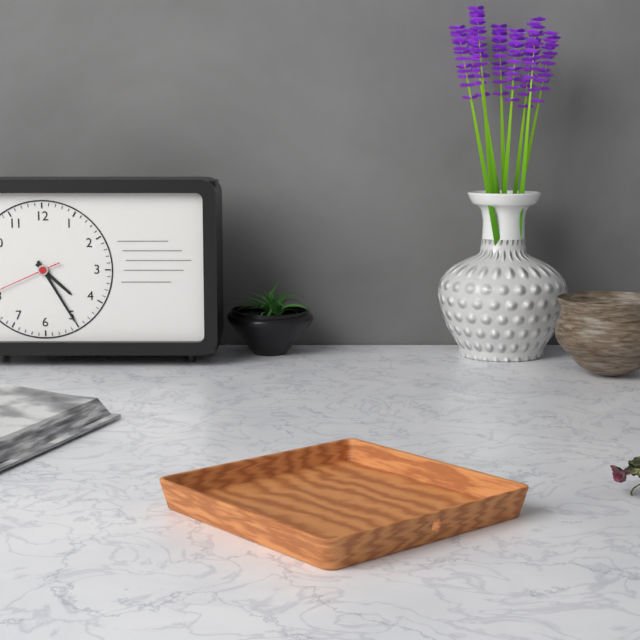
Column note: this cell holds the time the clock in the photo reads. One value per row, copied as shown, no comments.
4:25
